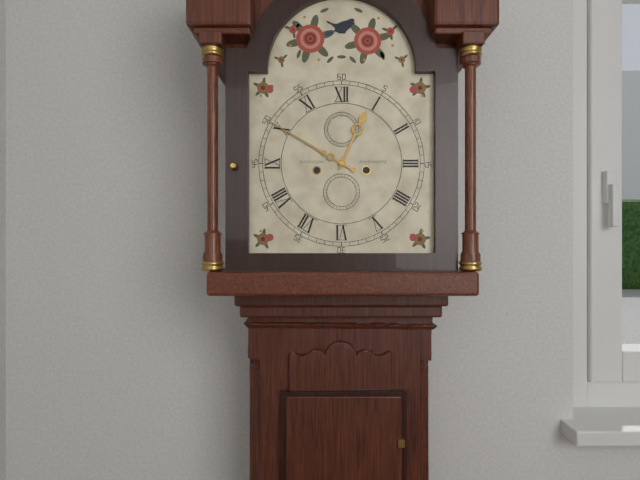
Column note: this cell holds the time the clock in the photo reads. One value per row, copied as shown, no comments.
12:50
